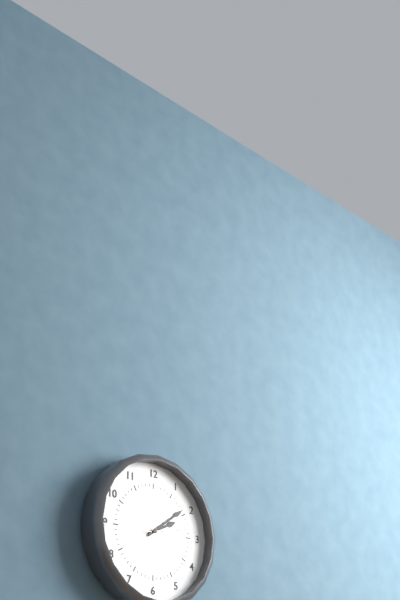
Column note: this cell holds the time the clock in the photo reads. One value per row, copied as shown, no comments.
2:09
